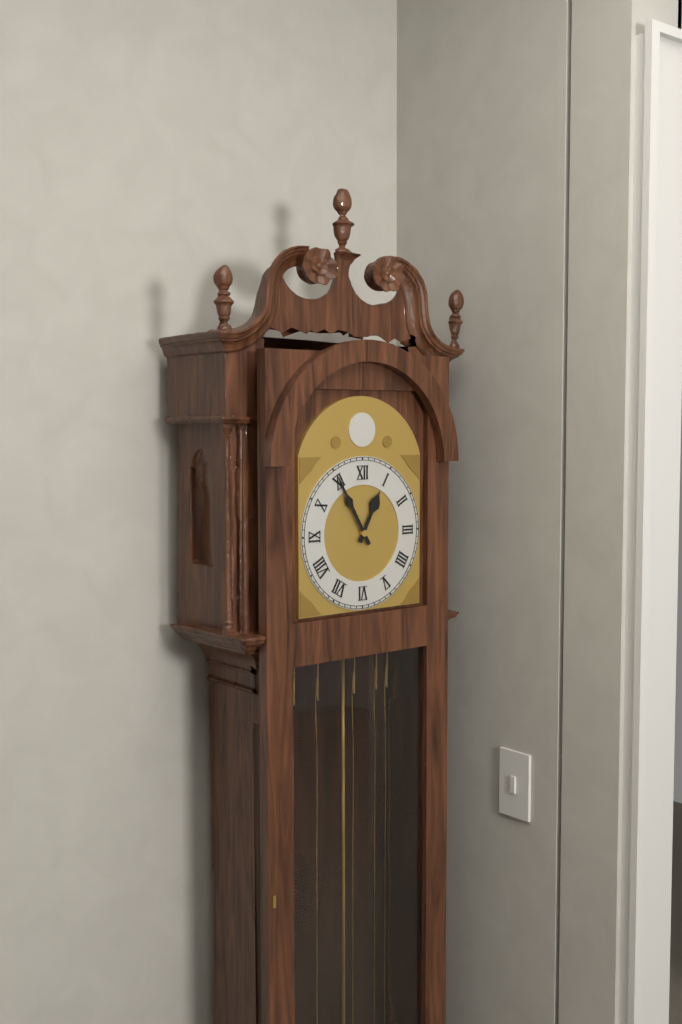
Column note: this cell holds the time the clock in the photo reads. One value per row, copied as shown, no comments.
12:55
